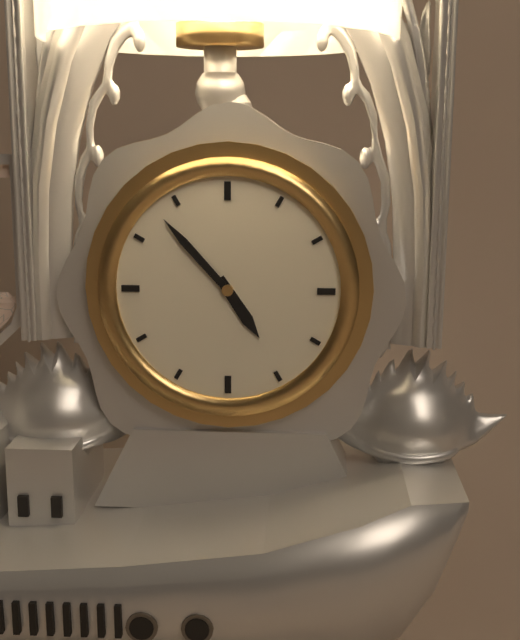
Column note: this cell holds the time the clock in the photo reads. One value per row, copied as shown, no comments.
4:53
